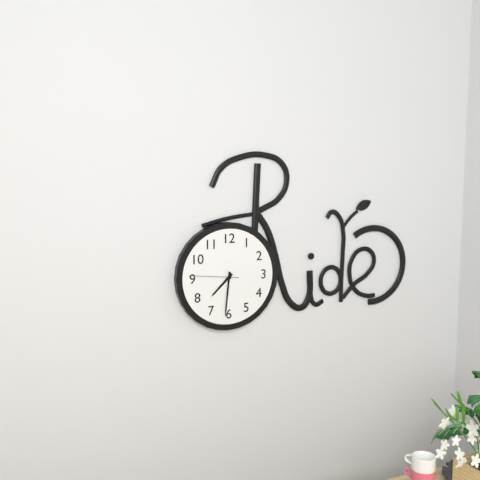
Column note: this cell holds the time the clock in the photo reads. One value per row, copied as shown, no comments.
7:31:46
